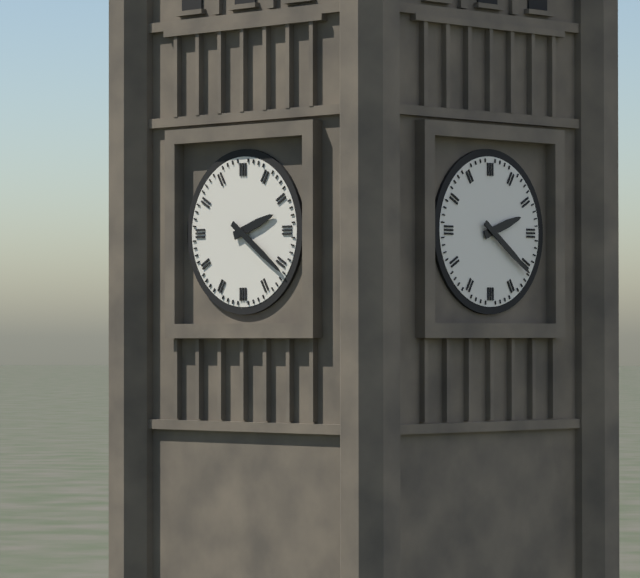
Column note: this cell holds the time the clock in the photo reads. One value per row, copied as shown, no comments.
2:21
